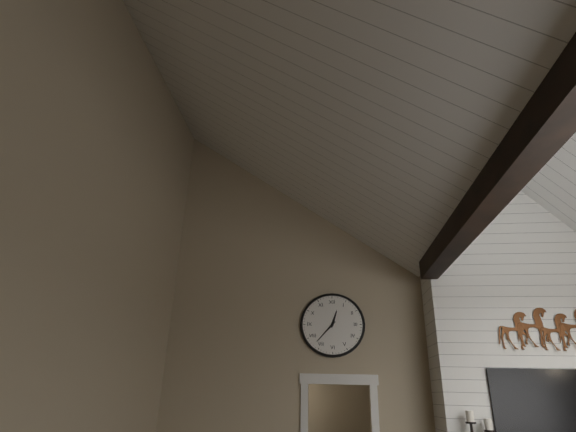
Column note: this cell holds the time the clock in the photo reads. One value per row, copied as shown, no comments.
12:37
